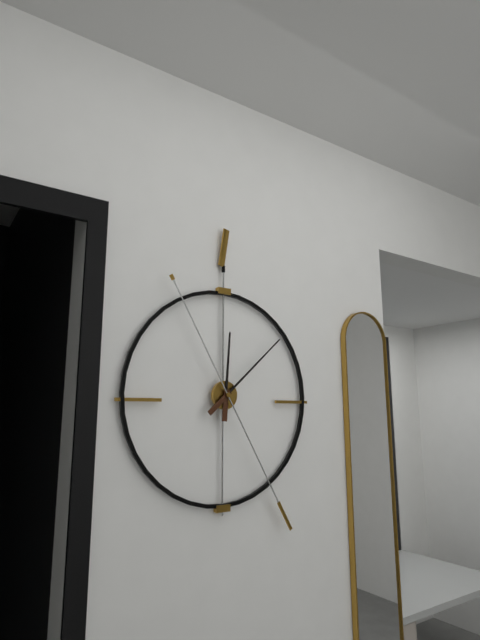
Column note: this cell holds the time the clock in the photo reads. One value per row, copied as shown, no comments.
12:08:25
